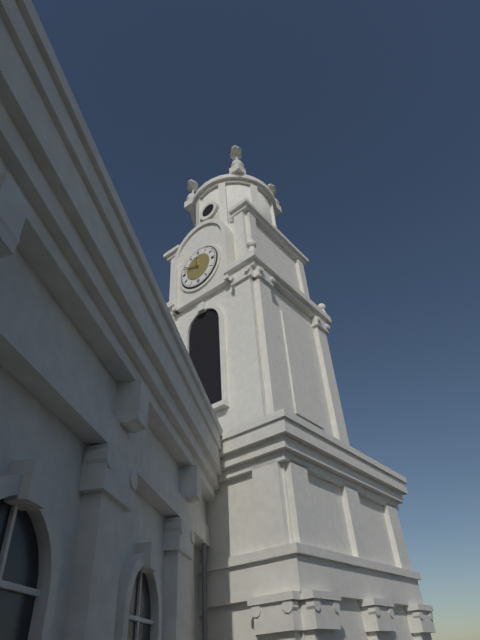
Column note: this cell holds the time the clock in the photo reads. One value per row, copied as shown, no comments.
11:48
